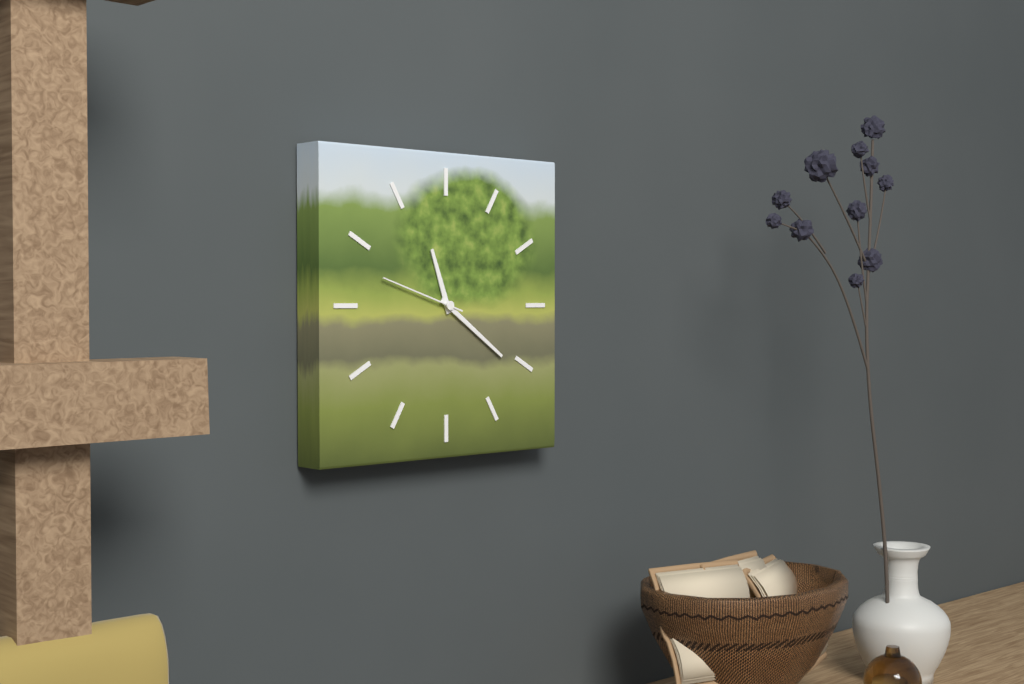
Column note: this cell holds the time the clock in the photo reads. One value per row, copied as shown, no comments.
11:21:48
